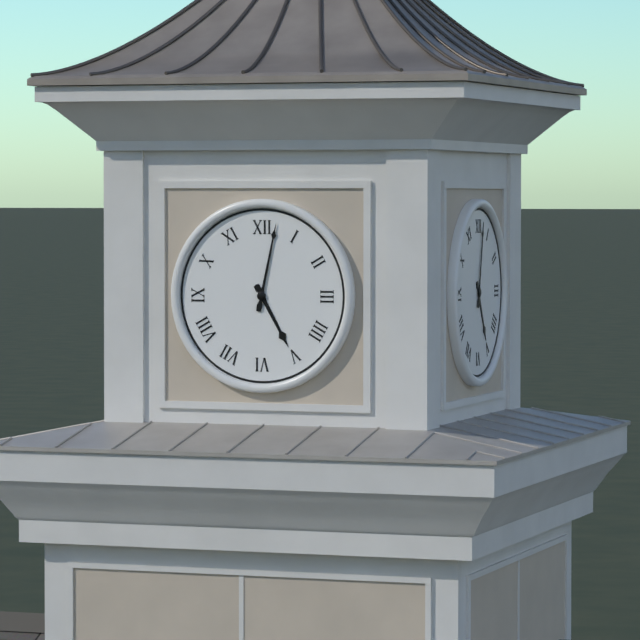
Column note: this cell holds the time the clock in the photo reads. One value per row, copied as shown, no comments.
5:02
